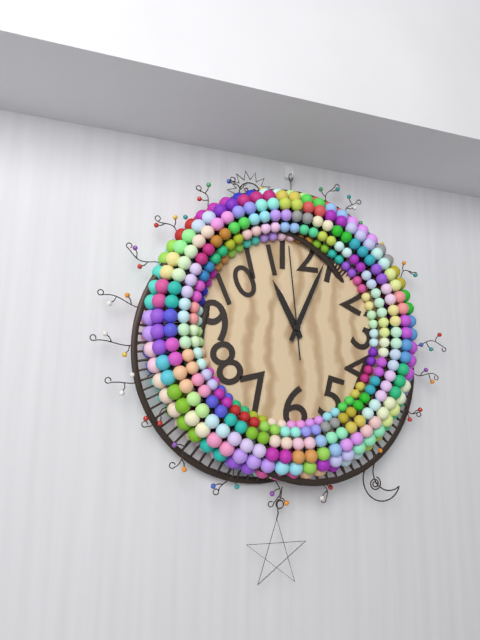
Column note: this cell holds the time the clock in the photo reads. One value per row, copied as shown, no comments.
11:04:59
